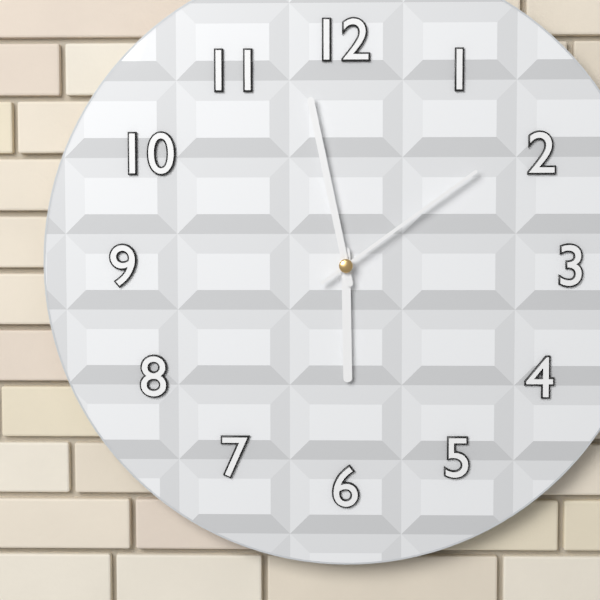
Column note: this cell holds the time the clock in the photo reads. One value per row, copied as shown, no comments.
5:58:09
